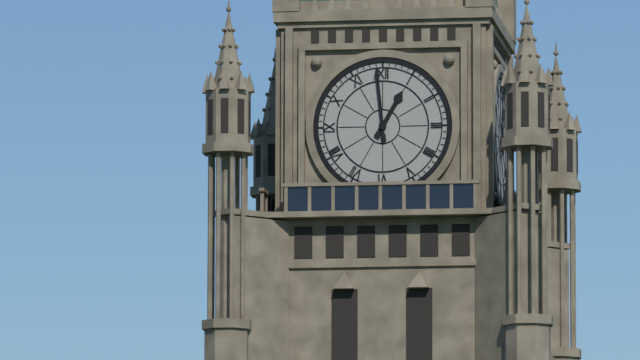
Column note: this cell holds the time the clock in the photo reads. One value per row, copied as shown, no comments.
12:59
